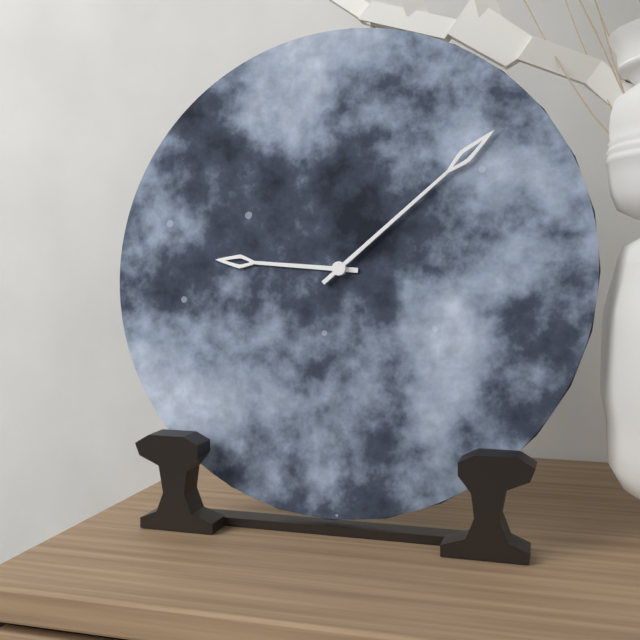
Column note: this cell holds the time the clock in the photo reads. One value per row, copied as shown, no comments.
9:08
